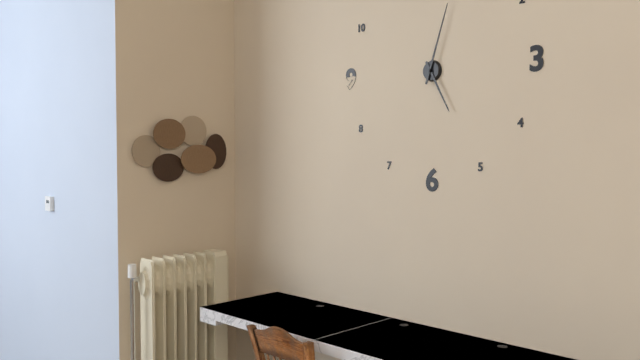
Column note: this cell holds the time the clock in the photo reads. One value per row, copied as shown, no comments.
5:03
